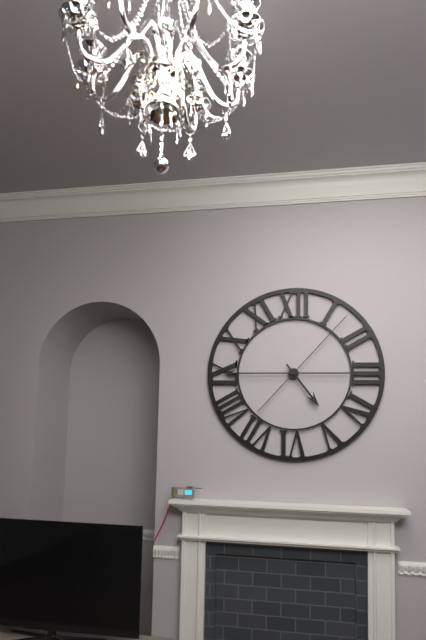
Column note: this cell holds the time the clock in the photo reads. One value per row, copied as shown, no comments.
4:45:07
